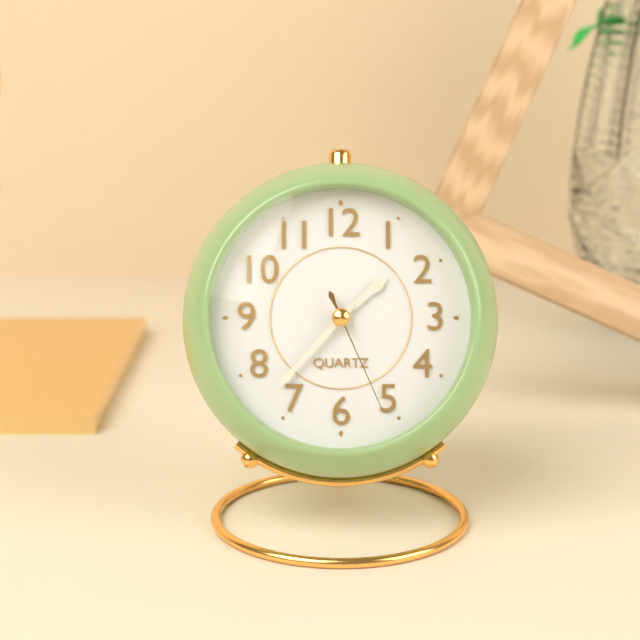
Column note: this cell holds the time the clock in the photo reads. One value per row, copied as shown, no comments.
1:37:26
